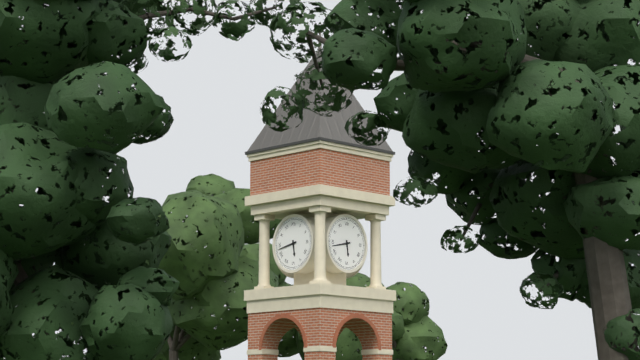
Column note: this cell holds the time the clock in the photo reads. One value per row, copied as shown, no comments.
5:43
